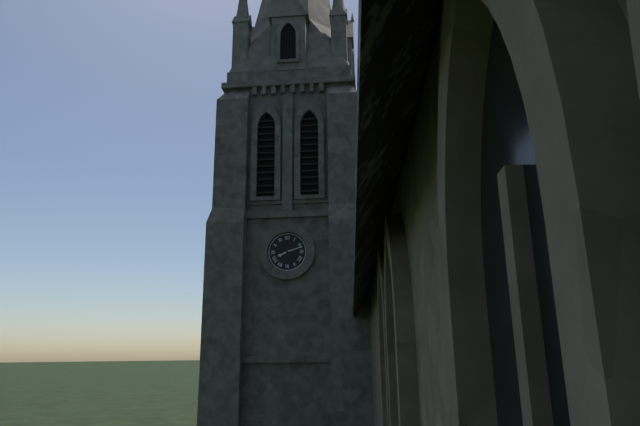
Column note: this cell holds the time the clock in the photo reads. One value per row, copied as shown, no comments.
8:12
